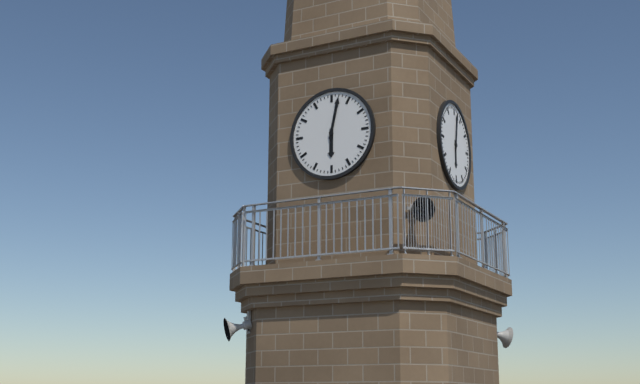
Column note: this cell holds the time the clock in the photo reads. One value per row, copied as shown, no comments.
6:02
